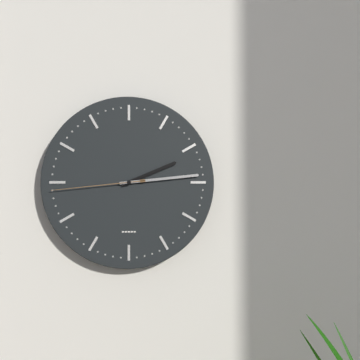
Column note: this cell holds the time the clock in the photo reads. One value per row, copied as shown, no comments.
2:14:44
